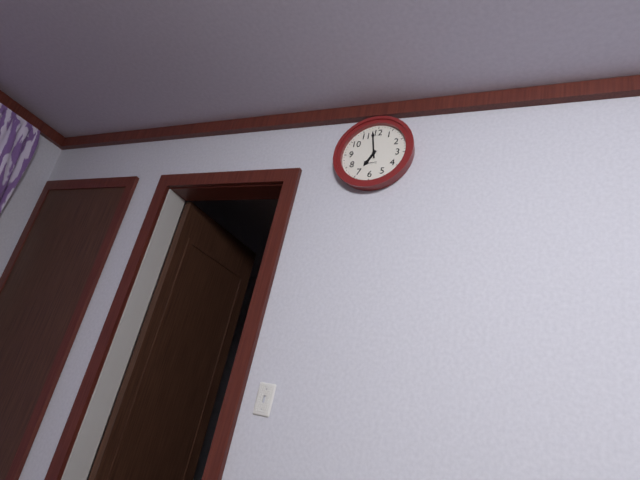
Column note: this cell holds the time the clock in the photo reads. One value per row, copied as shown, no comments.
6:58
